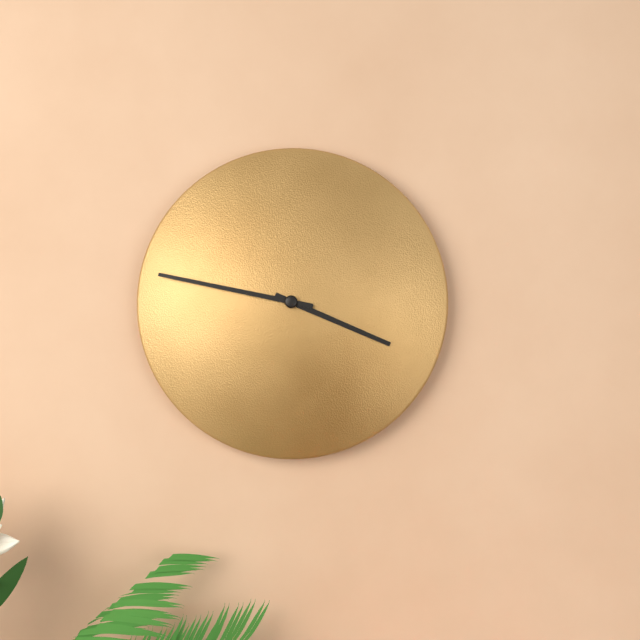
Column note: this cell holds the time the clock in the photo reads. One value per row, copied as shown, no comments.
3:47
